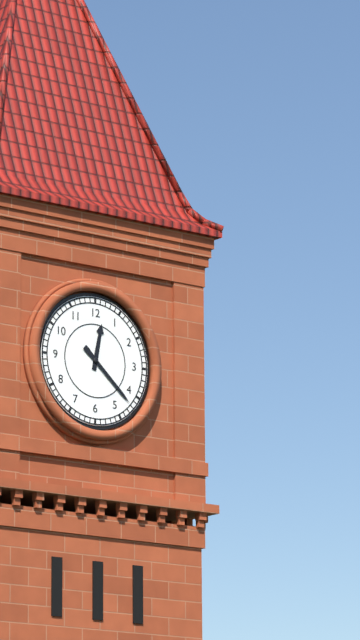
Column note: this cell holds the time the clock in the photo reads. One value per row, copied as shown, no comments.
12:22
